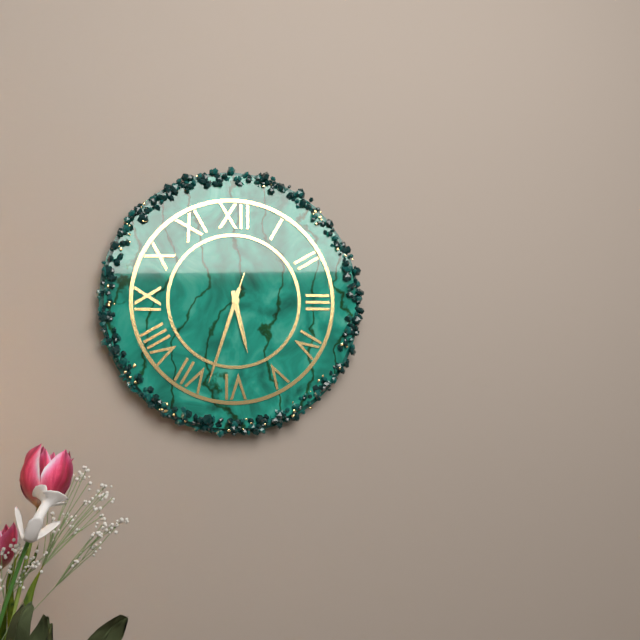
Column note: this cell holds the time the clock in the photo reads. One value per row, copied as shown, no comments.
5:33:33
